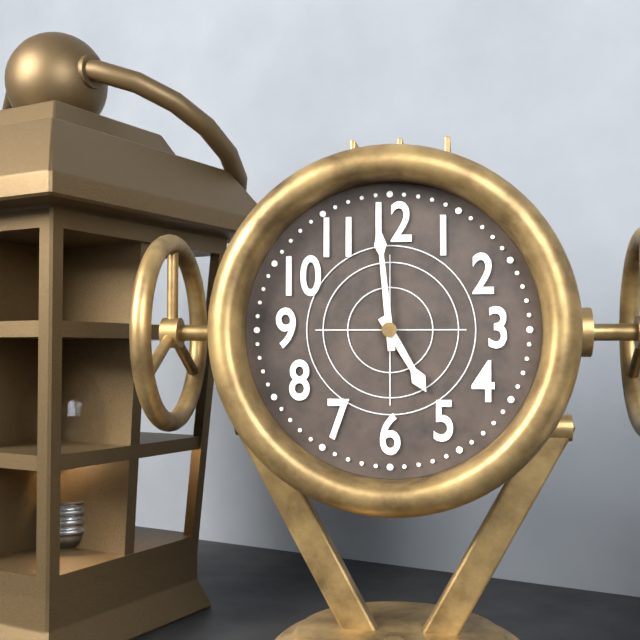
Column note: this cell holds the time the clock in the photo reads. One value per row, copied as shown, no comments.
4:59
